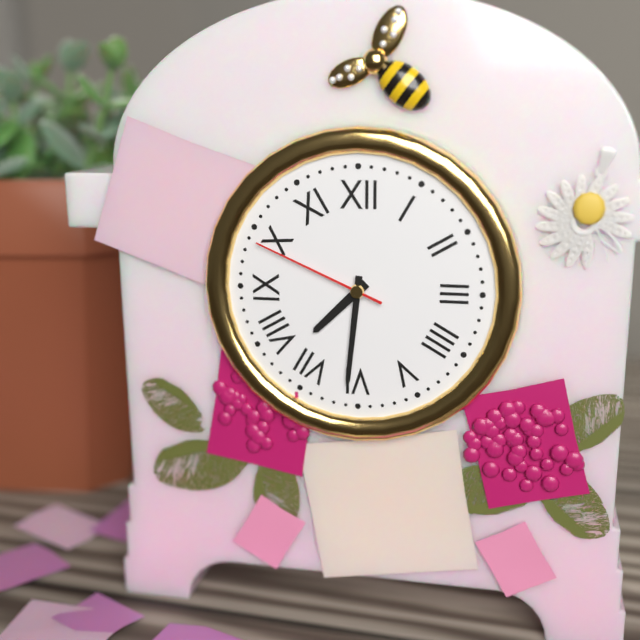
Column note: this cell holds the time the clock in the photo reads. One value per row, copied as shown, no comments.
7:31:49
